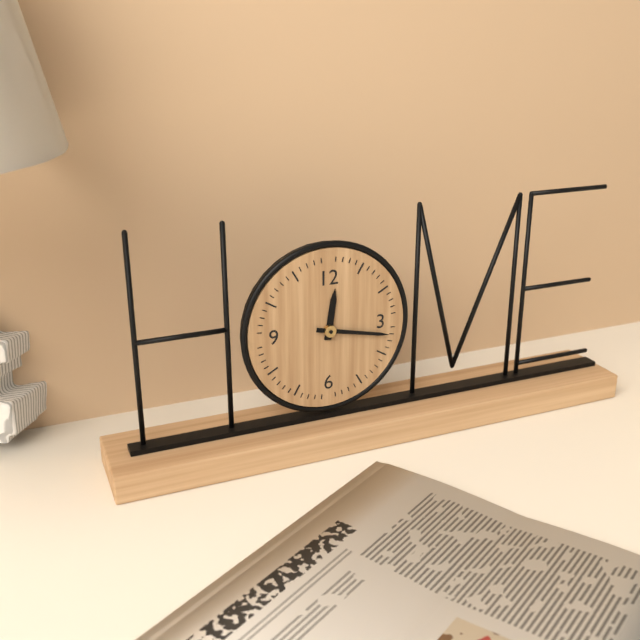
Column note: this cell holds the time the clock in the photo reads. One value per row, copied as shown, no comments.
12:17
